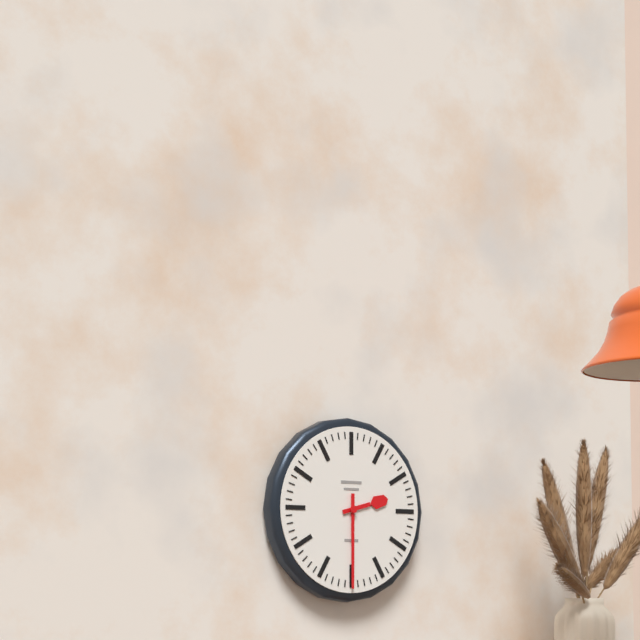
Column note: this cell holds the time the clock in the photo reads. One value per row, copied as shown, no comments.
2:30
